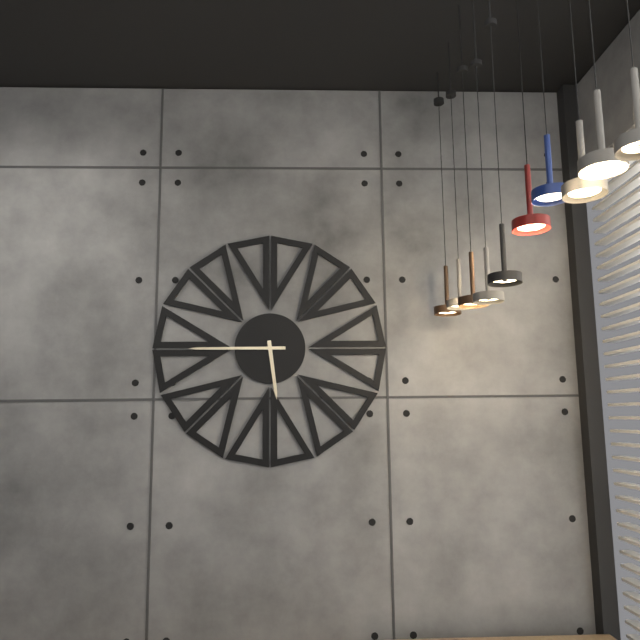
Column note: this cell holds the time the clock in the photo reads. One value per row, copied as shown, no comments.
5:45
